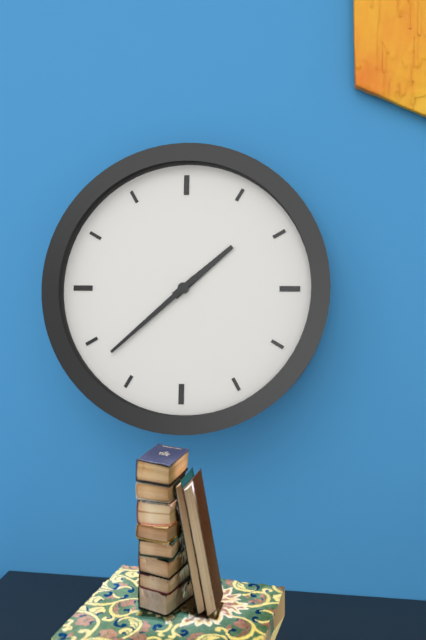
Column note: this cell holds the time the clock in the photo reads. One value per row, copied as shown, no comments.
1:38
